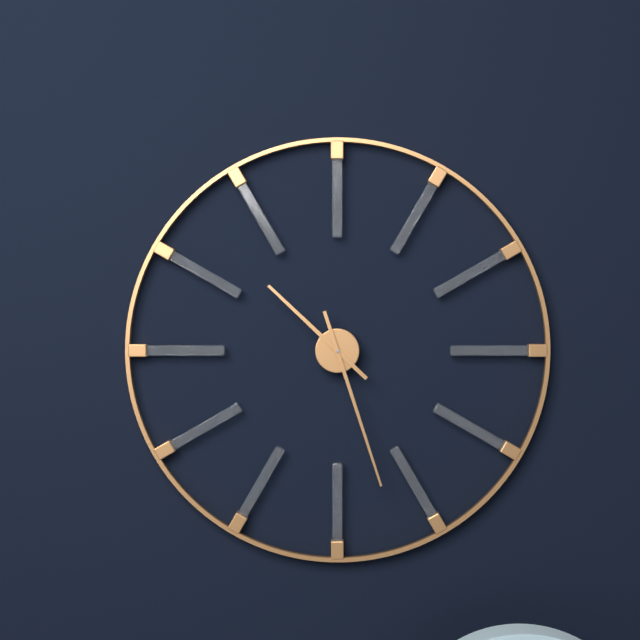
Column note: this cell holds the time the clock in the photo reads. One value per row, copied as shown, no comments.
10:27
